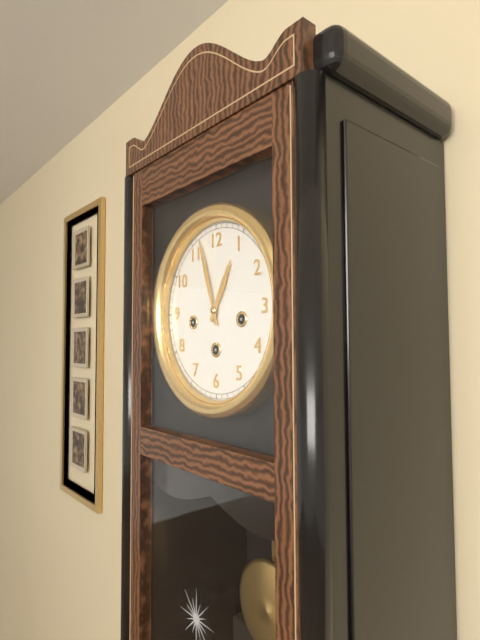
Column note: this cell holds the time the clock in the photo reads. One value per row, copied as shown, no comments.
12:57
